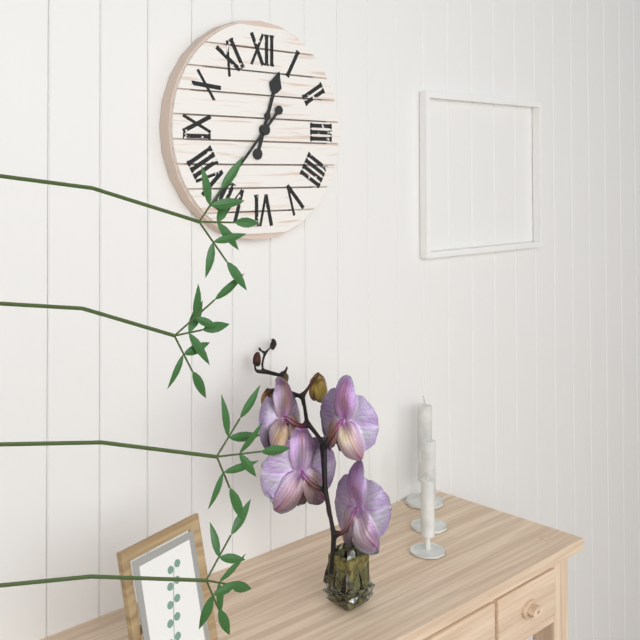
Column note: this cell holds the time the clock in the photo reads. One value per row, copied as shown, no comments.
12:37
